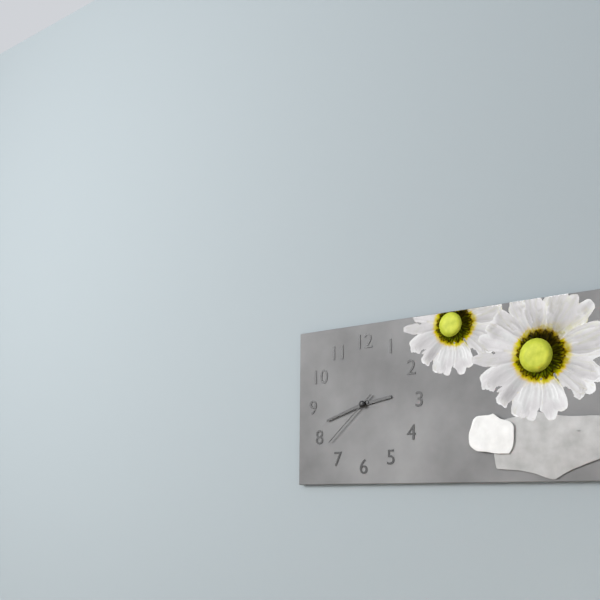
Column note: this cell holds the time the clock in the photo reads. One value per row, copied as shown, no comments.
2:42:38
